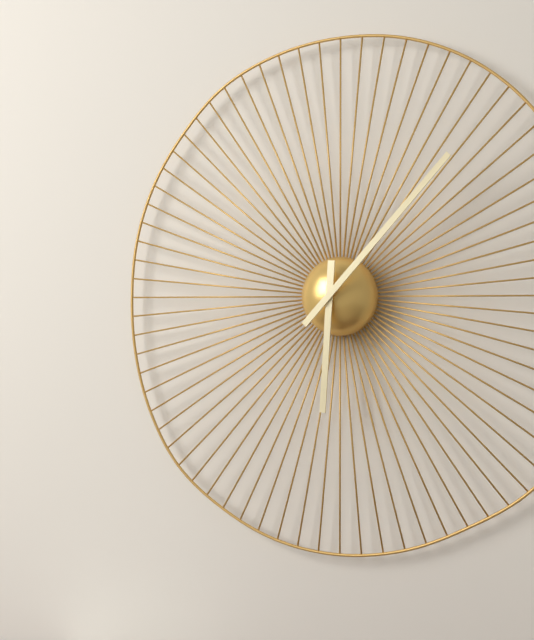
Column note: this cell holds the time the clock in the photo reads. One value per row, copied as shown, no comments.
6:07
